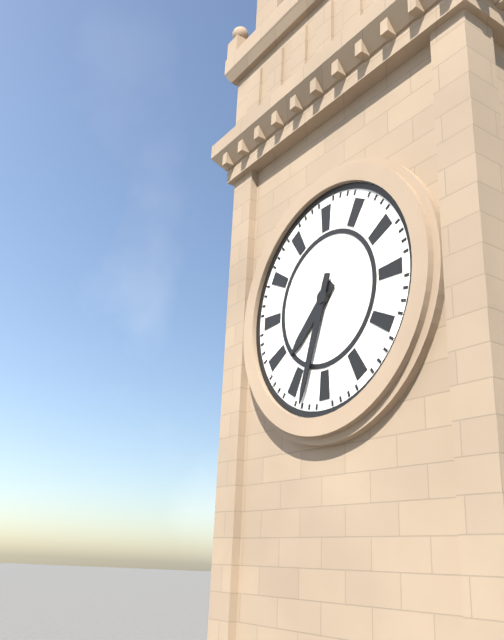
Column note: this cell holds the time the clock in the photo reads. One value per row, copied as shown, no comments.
7:33
